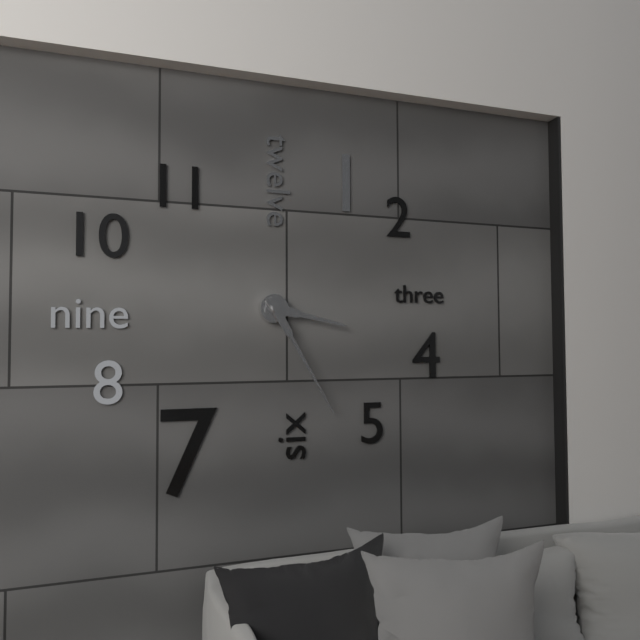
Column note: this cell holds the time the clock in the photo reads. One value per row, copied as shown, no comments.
3:25
